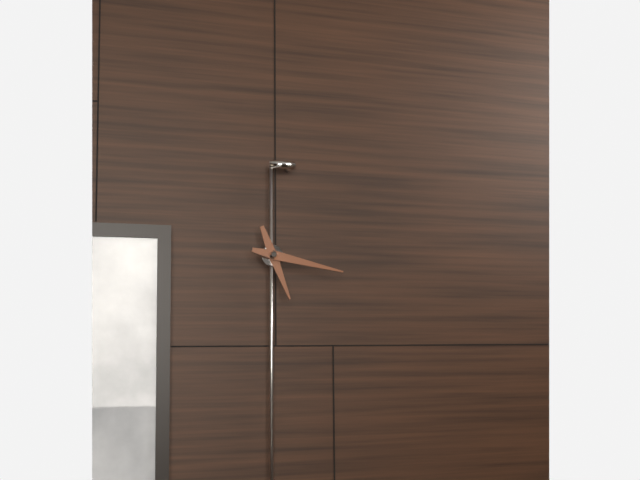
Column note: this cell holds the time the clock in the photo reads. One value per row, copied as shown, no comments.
5:17
